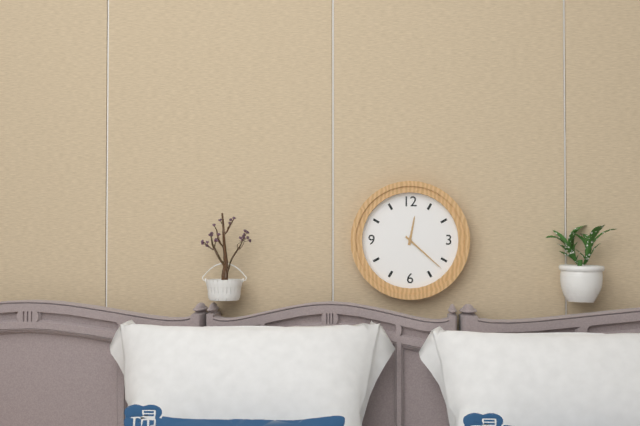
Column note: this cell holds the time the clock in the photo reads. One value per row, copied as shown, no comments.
12:22
